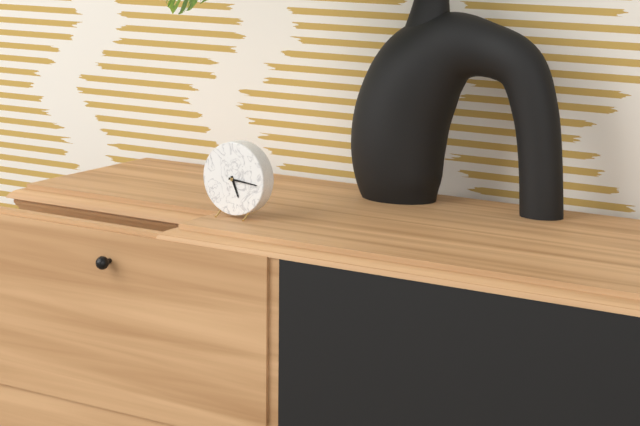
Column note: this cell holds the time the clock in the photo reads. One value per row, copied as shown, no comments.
5:16
